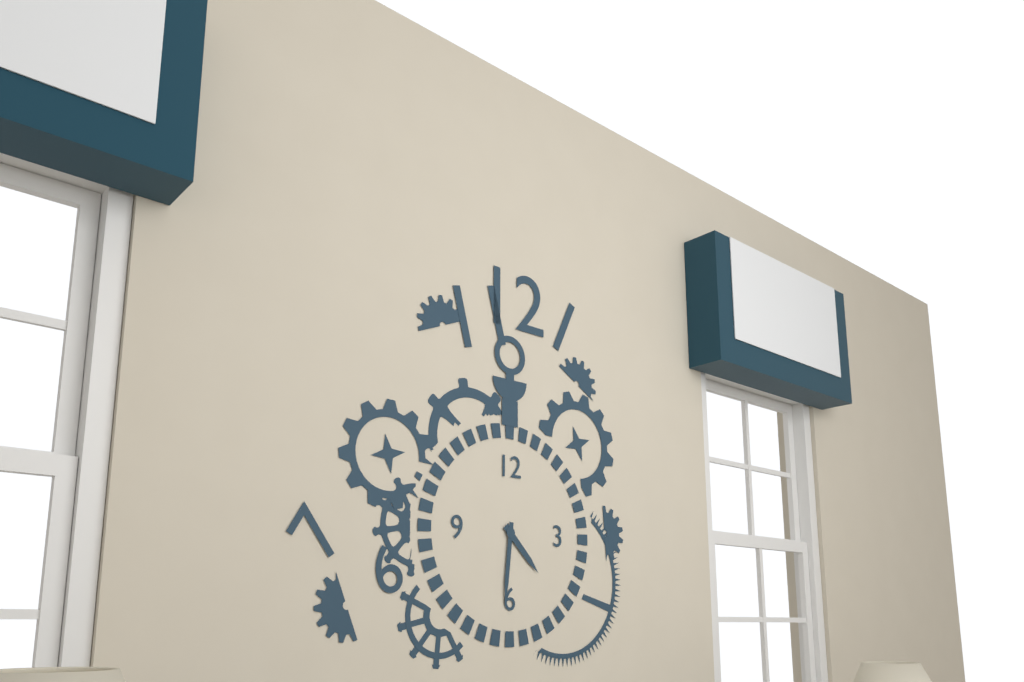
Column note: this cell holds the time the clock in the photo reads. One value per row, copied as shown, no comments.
4:31
